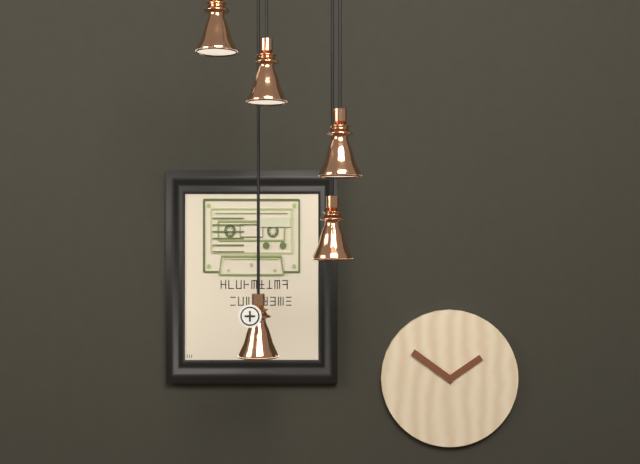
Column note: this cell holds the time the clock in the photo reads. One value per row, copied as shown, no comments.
1:51
